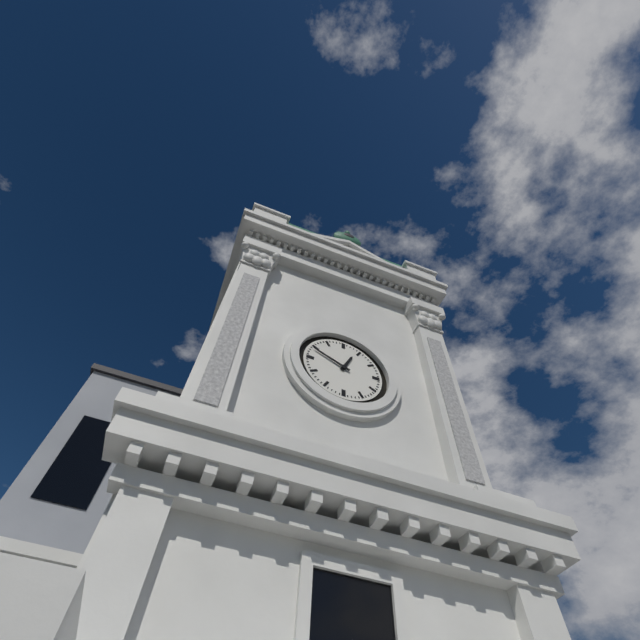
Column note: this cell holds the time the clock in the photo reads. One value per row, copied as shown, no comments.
12:49
